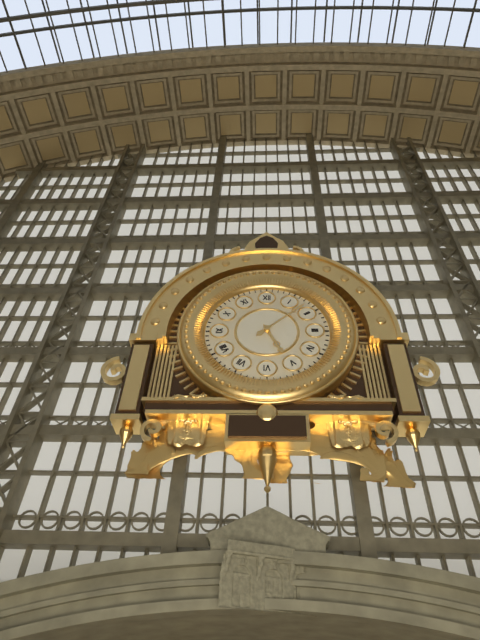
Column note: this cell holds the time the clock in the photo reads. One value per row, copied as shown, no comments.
5:08
